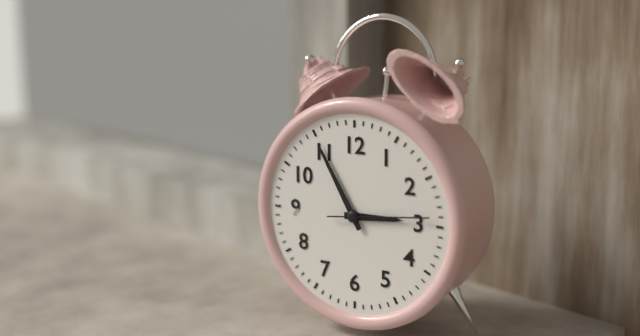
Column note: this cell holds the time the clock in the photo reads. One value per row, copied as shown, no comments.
2:55:14
